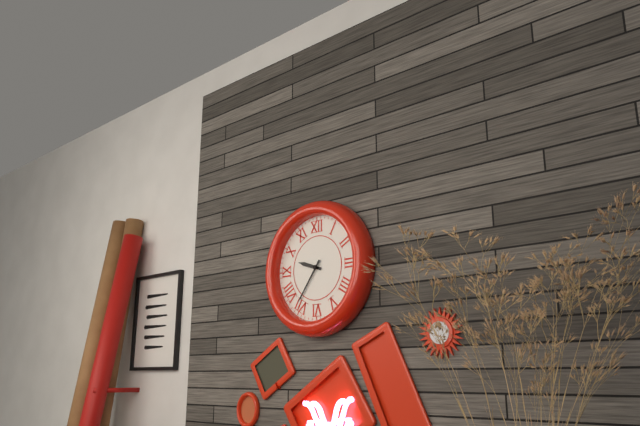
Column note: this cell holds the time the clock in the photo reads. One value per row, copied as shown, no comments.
9:36
